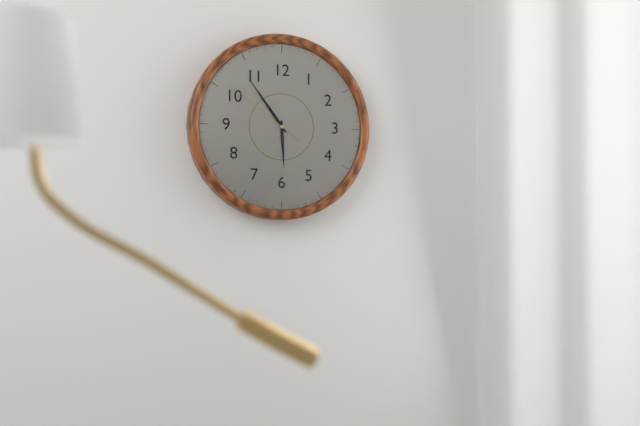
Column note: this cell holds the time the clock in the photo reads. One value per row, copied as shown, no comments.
5:54:51
